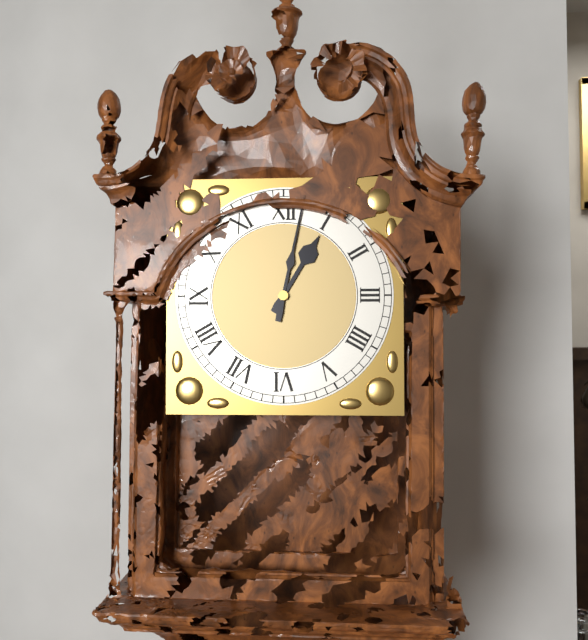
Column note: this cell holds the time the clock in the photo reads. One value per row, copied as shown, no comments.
1:02
